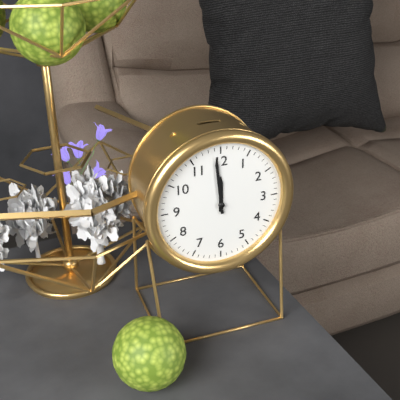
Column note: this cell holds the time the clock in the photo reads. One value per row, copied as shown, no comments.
11:59
